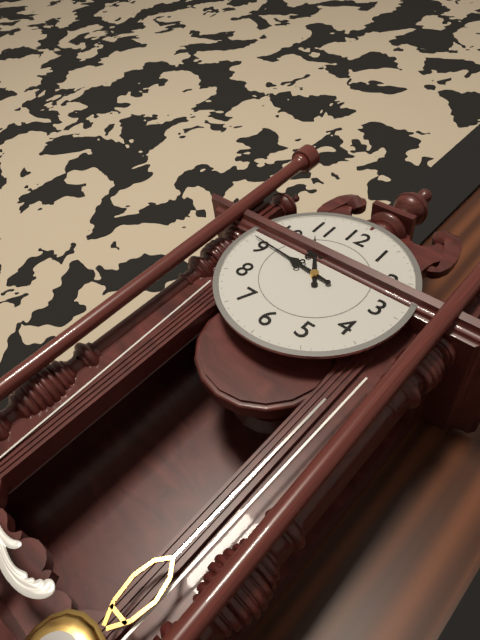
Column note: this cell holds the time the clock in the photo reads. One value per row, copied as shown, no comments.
10:46
